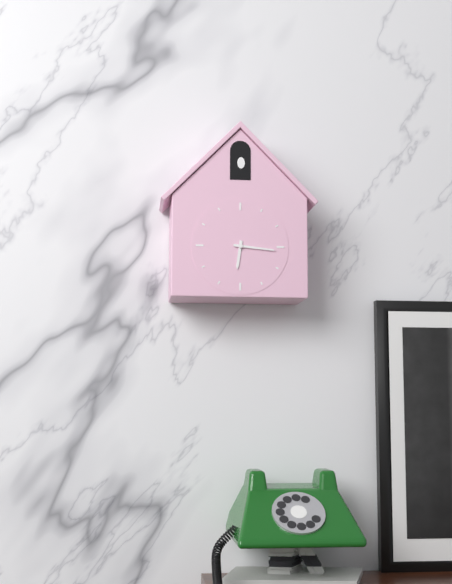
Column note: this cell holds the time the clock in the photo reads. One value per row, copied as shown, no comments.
6:16
